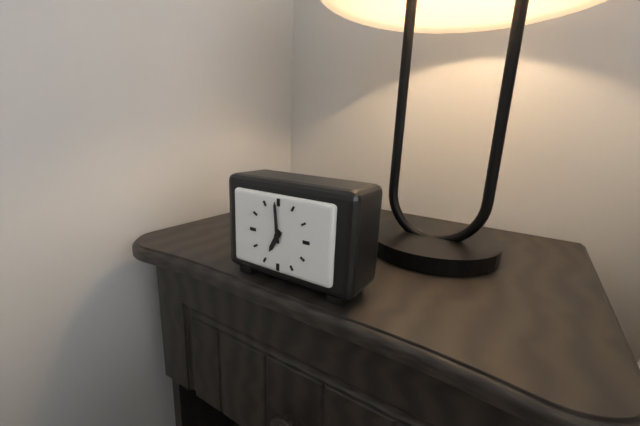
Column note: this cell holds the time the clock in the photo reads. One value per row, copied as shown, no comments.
6:59
